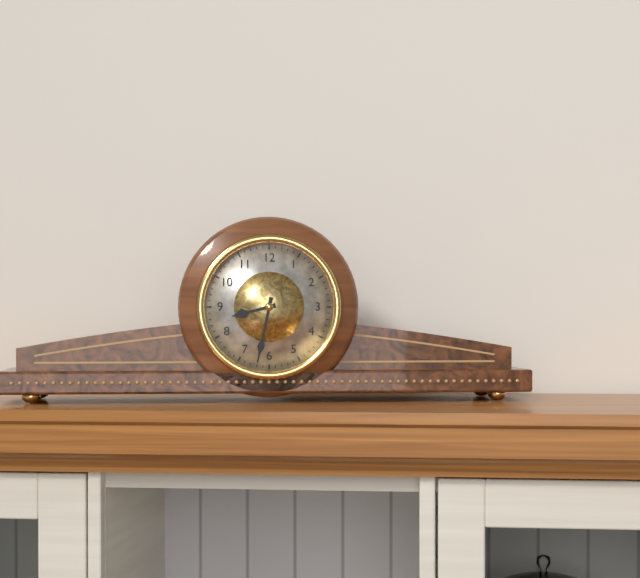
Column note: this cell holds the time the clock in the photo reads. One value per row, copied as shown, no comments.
8:32
